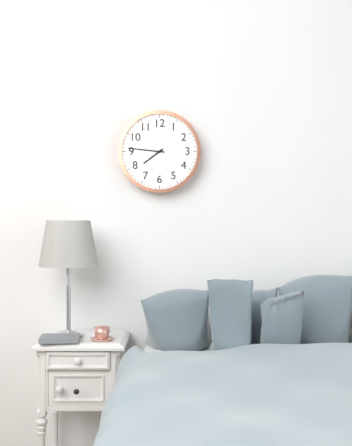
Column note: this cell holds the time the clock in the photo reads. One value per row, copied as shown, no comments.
7:46
